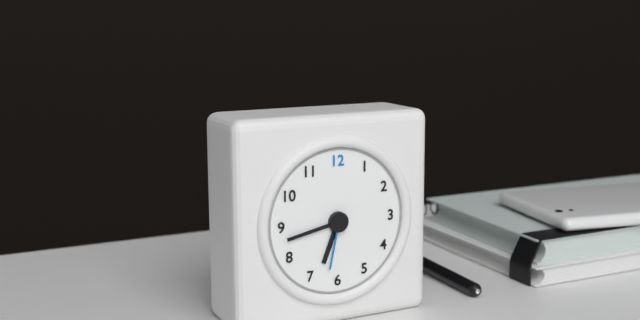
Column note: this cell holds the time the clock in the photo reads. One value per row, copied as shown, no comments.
6:43:32
